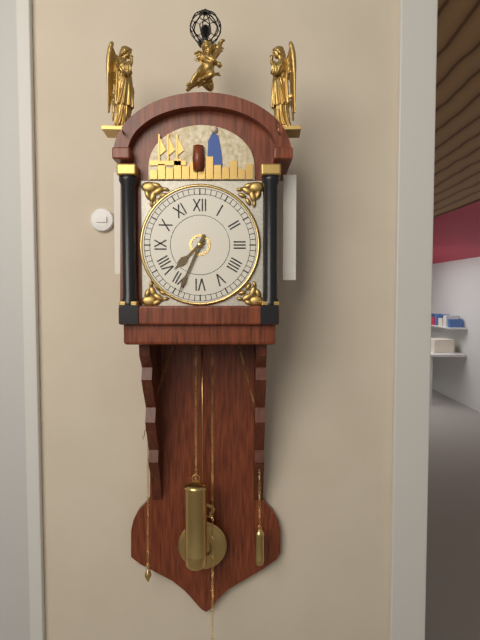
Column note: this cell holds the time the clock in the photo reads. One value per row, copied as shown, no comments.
7:34
